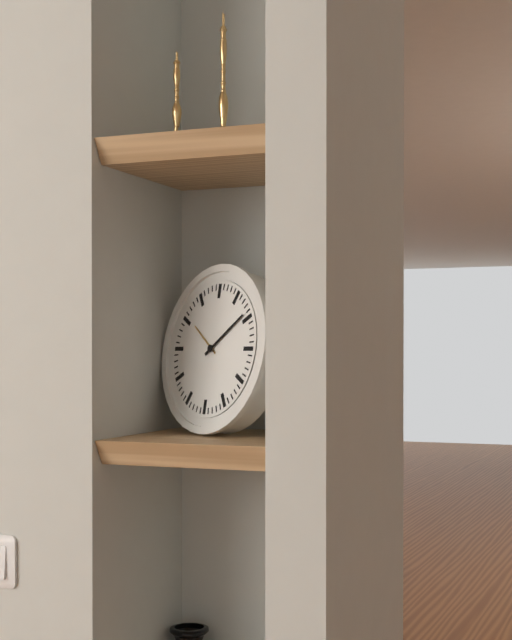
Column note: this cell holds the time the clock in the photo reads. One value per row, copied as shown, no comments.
10:09
